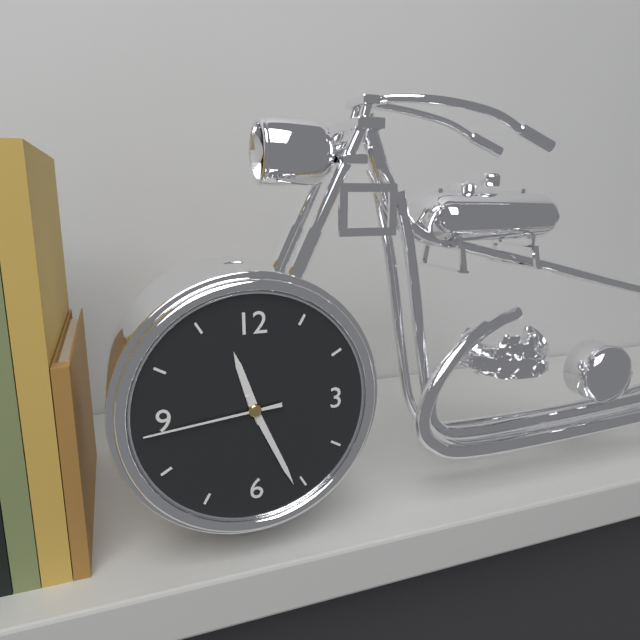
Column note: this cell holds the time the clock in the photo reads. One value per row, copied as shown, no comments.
11:26:44
